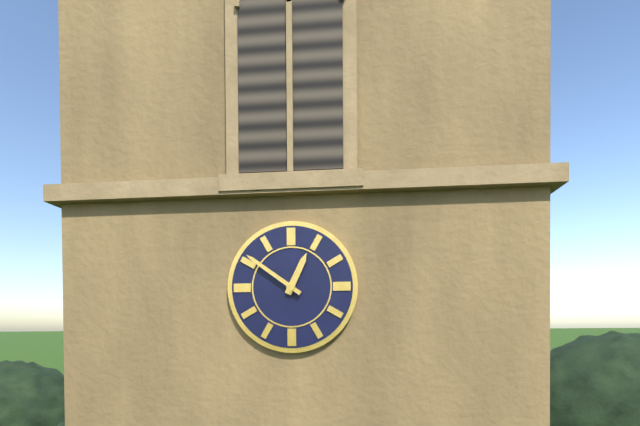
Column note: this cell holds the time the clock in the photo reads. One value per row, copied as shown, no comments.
12:51
